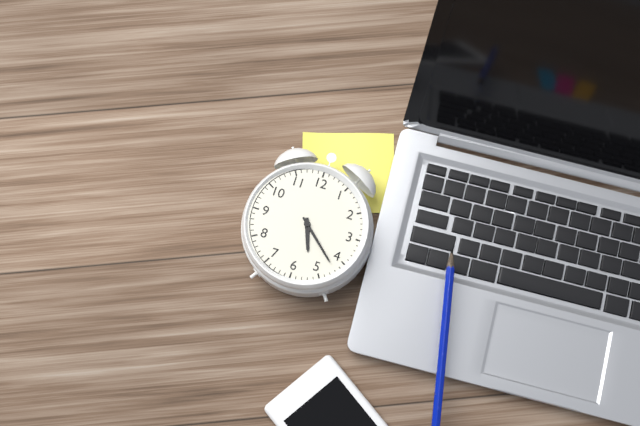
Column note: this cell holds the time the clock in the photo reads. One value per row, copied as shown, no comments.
5:22
